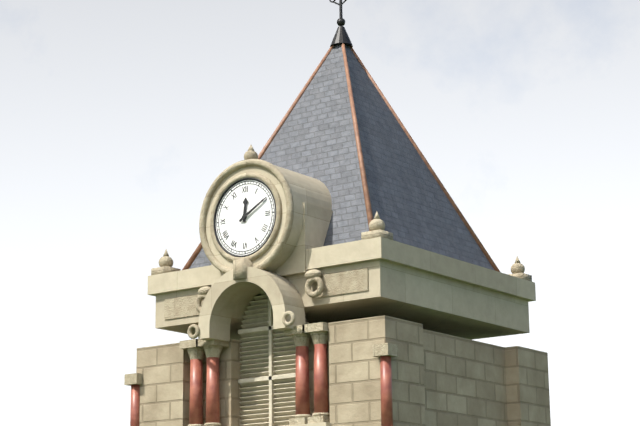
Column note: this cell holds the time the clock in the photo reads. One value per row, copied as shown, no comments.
12:10
